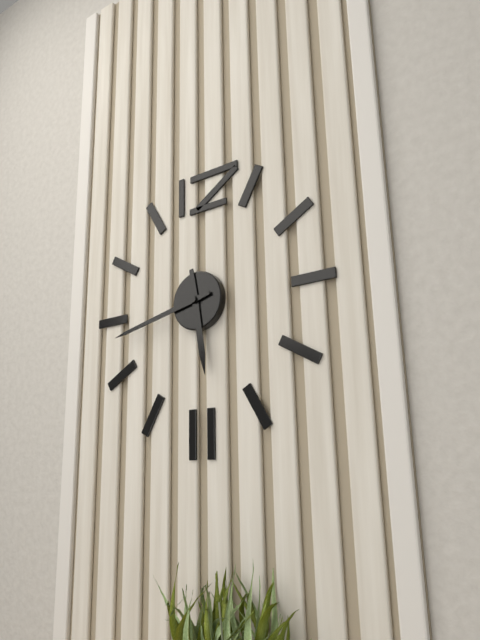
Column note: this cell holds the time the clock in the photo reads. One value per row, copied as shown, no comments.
5:43
